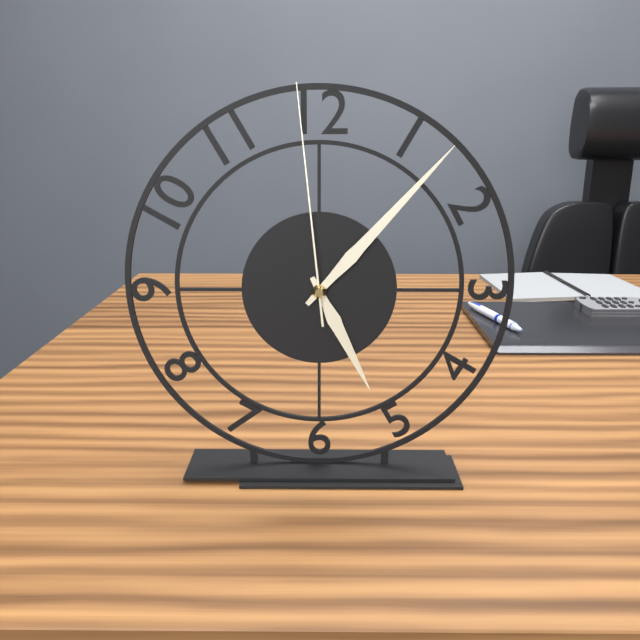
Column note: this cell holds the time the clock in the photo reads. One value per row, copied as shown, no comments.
5:07:59
